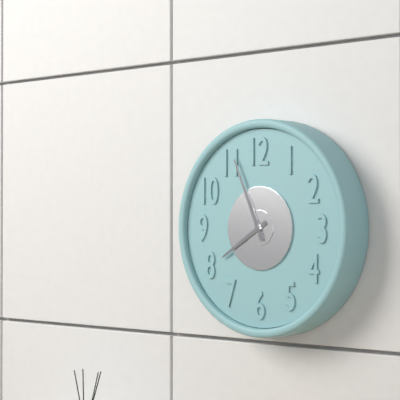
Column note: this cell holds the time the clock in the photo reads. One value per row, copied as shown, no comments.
7:56
